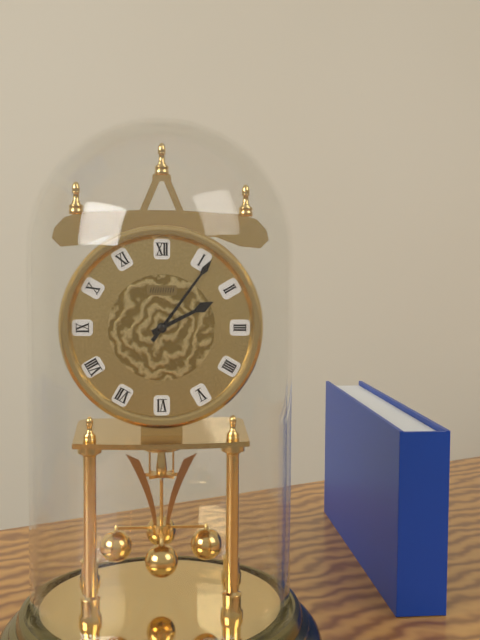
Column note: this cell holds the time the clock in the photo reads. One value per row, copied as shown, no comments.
2:06
